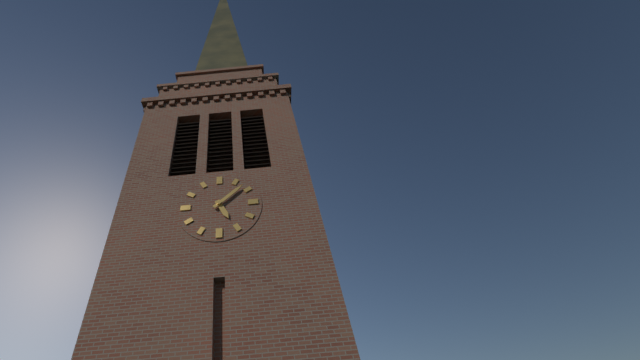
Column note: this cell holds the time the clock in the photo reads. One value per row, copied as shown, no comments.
5:08
